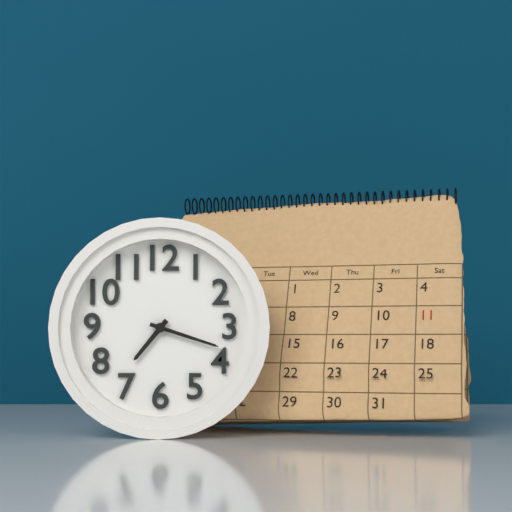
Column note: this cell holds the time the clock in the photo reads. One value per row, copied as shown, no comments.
7:18
